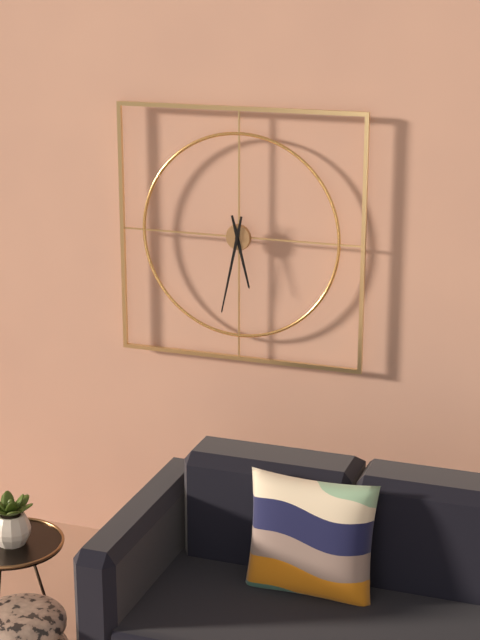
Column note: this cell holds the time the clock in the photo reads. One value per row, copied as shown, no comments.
5:32
